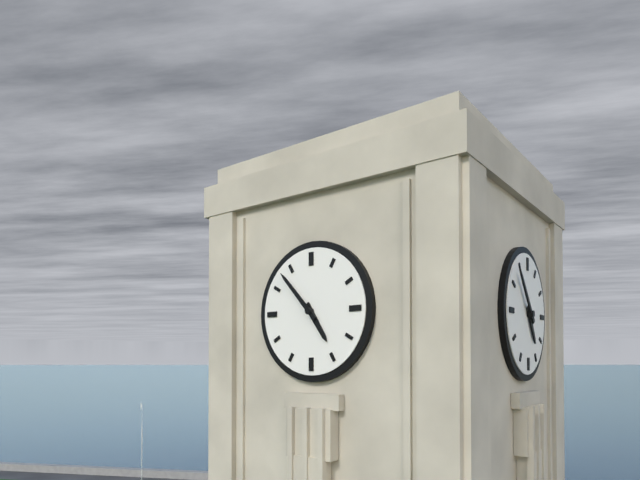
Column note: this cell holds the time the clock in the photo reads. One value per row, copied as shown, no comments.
4:53
